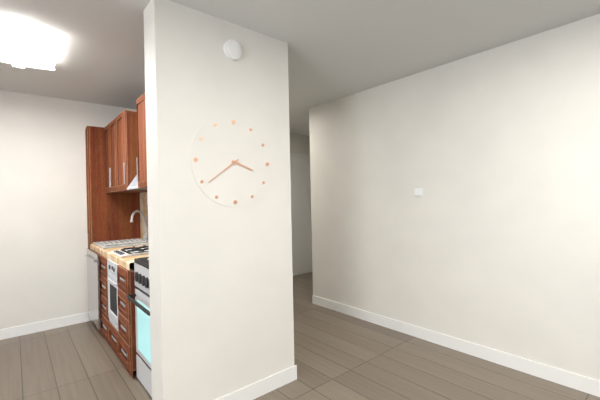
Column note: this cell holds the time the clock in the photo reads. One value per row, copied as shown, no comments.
3:39
